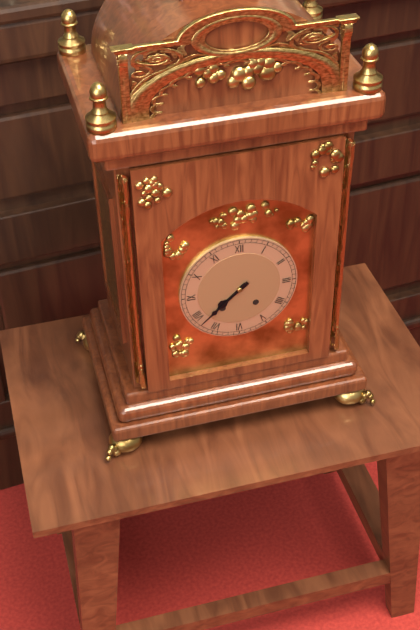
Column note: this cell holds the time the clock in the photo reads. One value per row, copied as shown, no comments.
7:38
